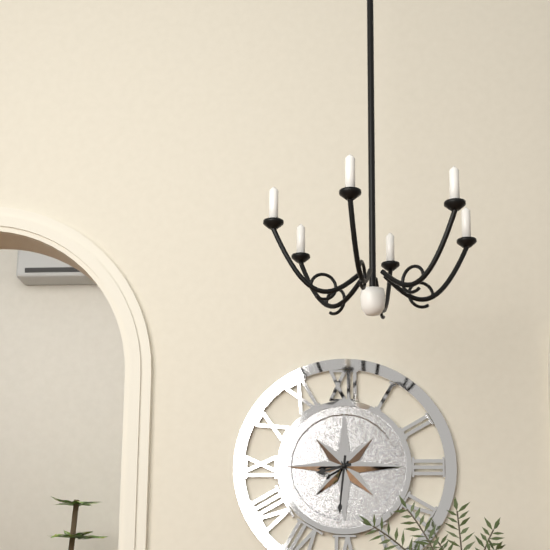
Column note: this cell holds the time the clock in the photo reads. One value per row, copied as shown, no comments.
8:31
